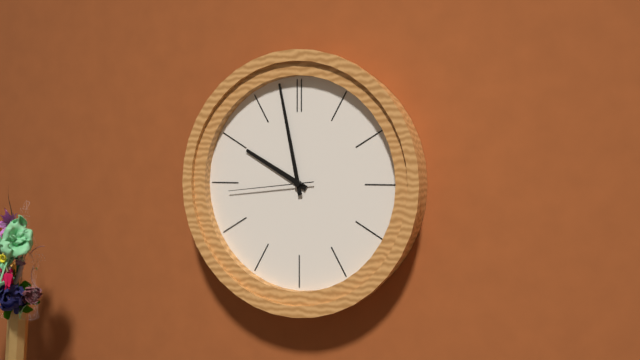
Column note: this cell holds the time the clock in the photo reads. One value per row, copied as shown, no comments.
9:58:44
